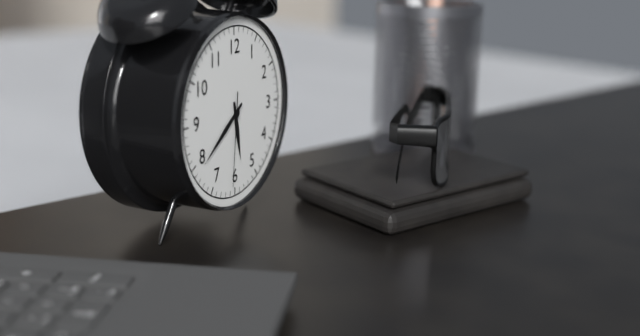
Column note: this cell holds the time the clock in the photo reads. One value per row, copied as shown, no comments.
5:39:31
